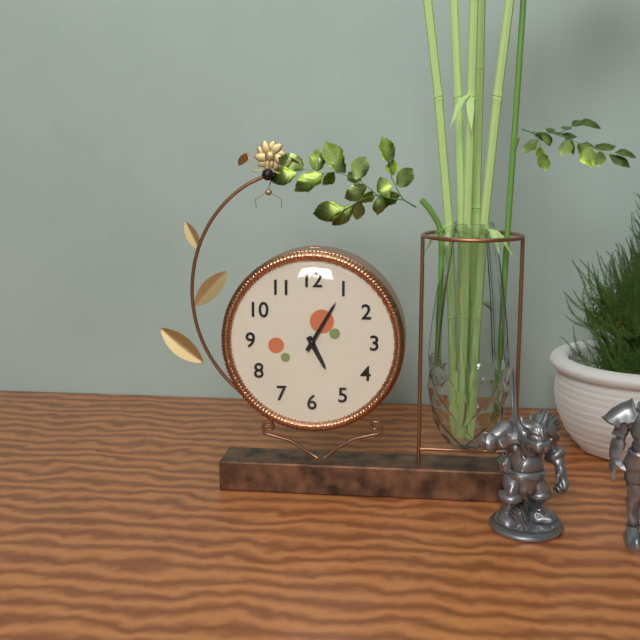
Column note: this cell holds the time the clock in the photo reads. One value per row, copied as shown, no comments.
5:05
